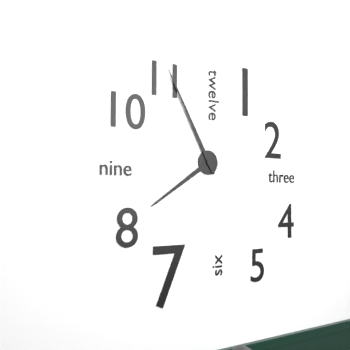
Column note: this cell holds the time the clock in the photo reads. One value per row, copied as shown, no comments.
7:55
